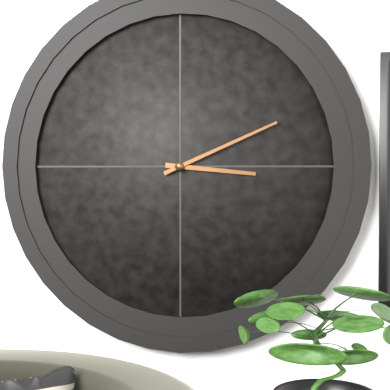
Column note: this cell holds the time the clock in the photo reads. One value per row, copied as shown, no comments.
3:11
